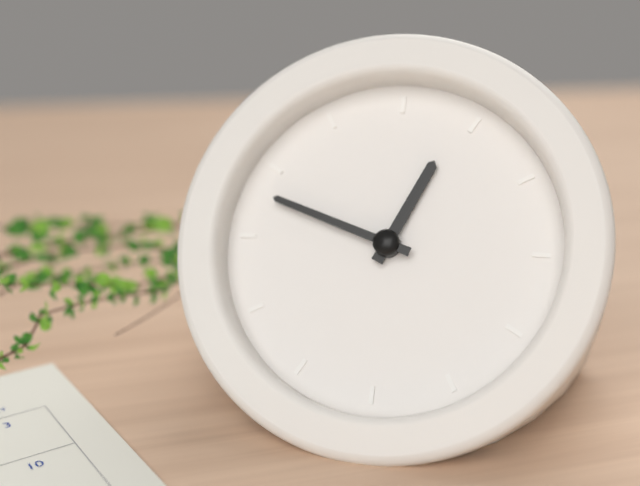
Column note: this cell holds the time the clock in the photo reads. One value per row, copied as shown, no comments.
12:48
